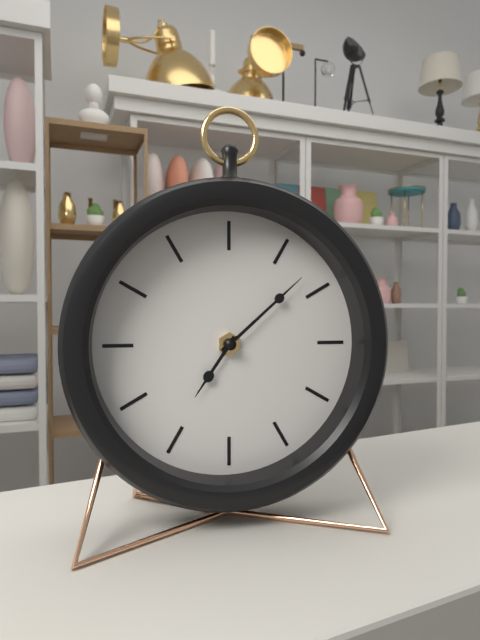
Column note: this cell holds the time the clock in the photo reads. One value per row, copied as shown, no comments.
7:08
